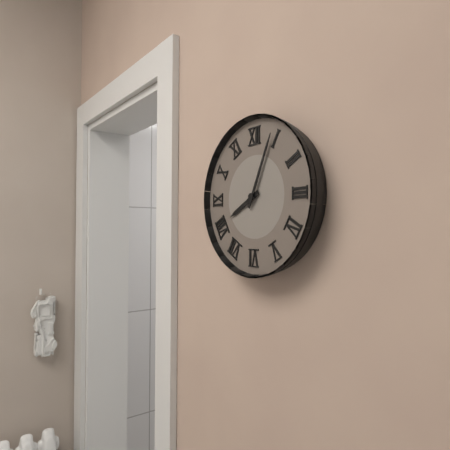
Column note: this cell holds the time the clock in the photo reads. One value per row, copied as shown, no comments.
8:04
